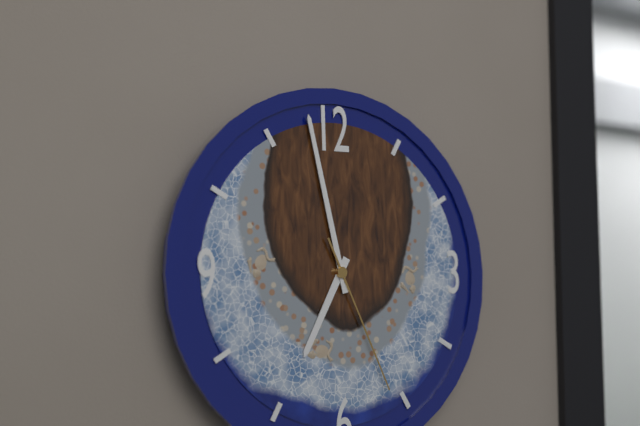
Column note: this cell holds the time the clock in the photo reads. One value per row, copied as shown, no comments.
6:58:26
